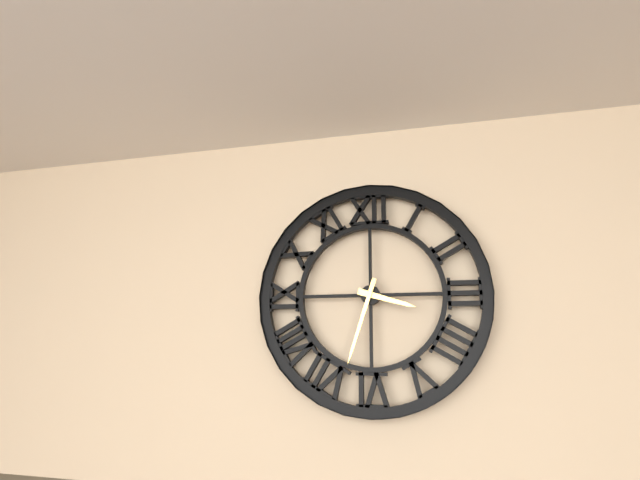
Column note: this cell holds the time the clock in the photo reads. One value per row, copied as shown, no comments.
3:33
